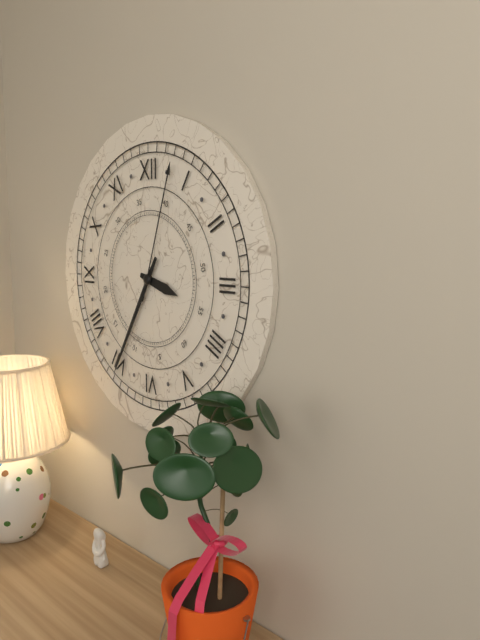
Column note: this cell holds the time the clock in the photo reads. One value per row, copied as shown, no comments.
3:35:03
